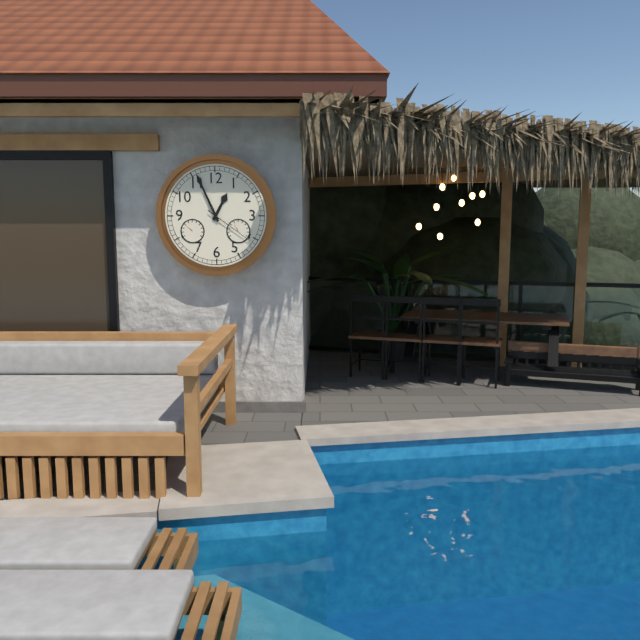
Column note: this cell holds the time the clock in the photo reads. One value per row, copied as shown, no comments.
12:56:21
